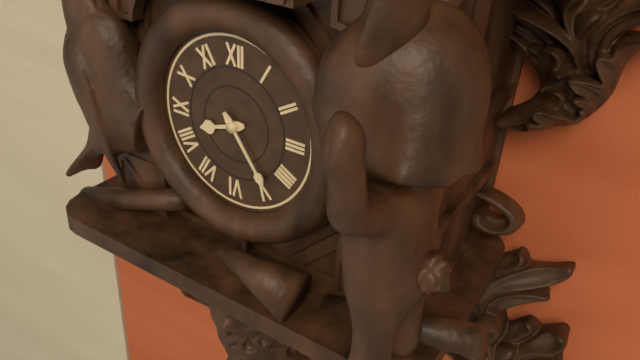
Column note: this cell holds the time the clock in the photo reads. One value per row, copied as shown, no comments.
8:24
